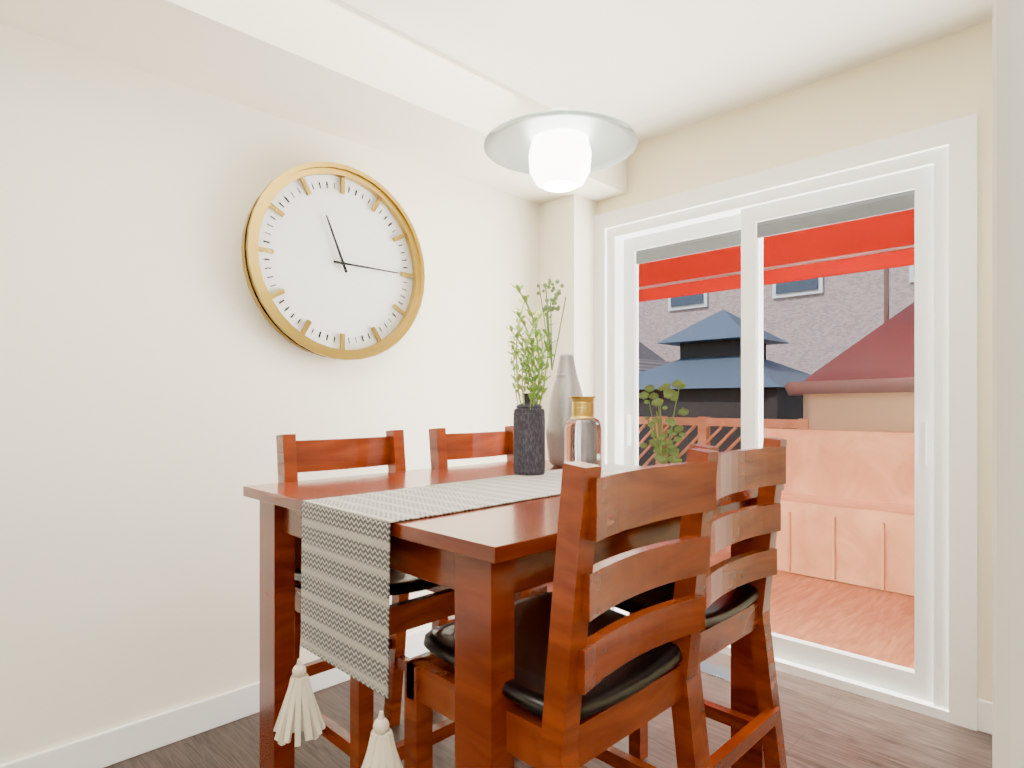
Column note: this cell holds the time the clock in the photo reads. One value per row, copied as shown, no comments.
11:15
